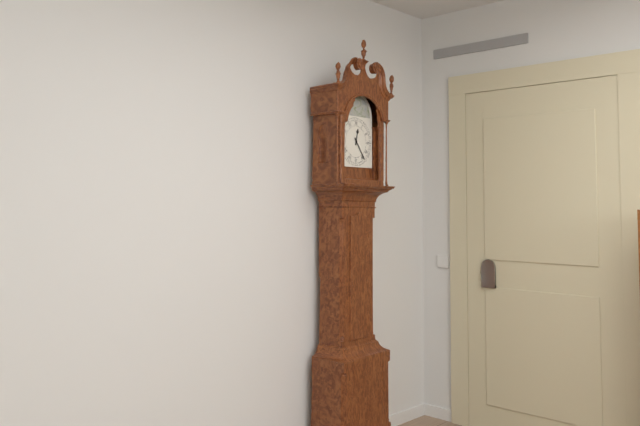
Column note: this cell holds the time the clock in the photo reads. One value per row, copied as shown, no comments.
12:24
